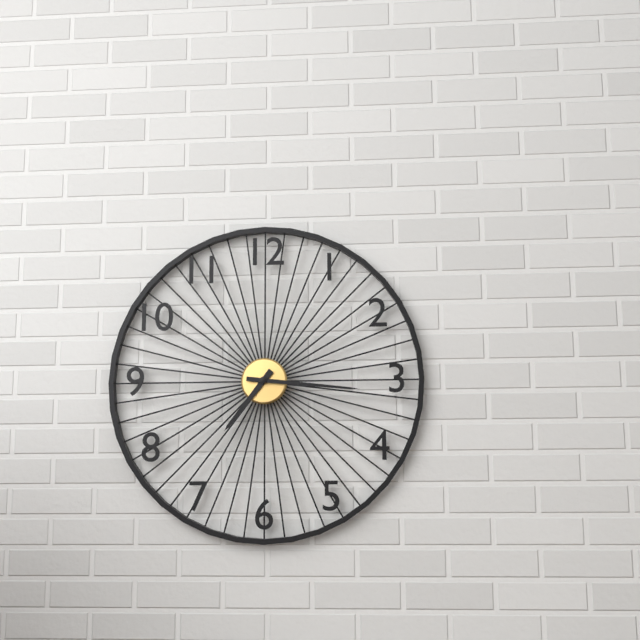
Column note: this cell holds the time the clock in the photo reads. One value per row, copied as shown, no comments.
7:16
